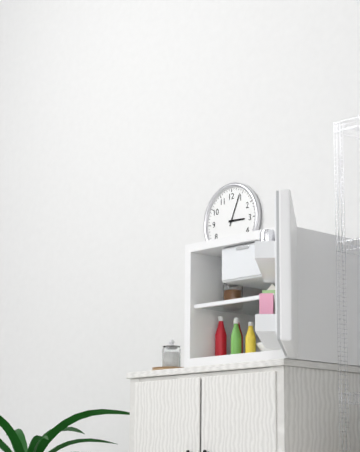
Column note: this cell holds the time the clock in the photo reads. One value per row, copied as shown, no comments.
3:04
